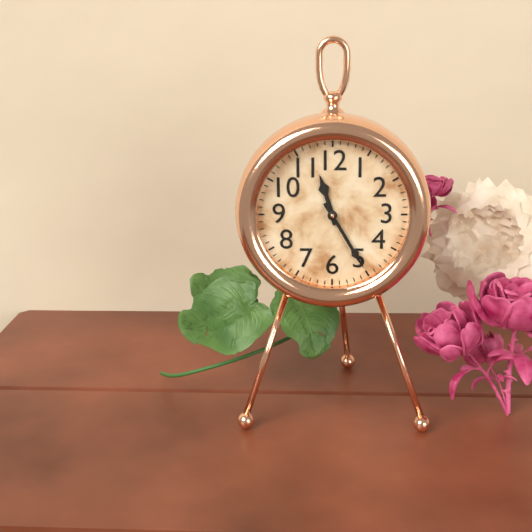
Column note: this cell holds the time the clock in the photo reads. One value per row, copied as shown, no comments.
11:25
